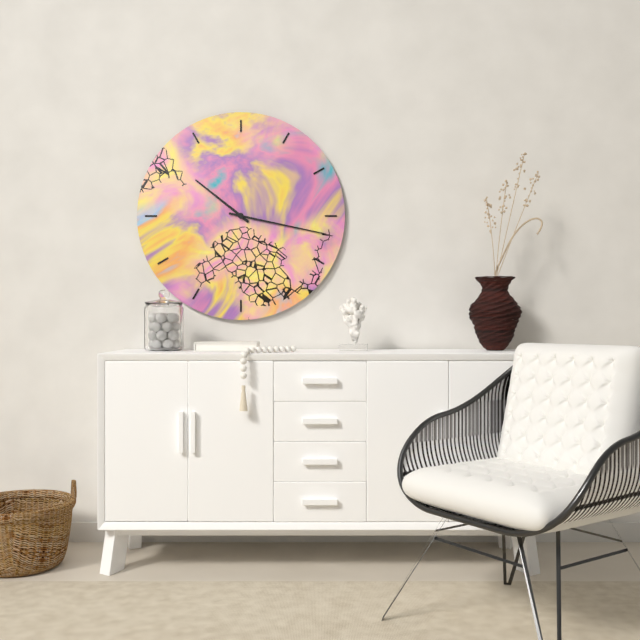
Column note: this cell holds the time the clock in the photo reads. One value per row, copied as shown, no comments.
10:17
